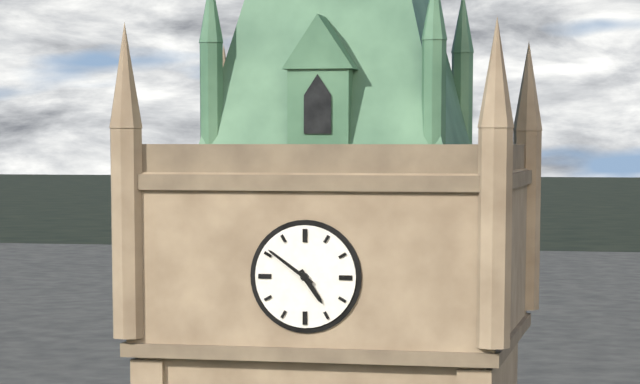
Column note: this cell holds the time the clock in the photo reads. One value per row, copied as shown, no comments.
4:51
